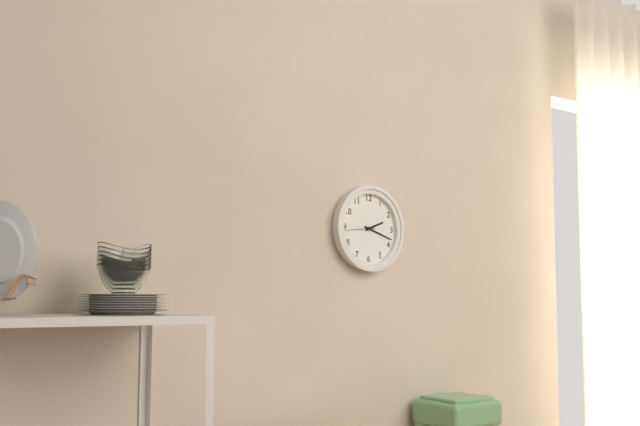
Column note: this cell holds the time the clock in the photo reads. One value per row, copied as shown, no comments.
2:18
